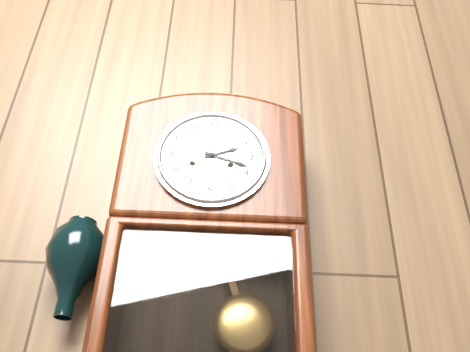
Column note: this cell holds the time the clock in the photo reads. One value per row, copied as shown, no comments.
2:18
